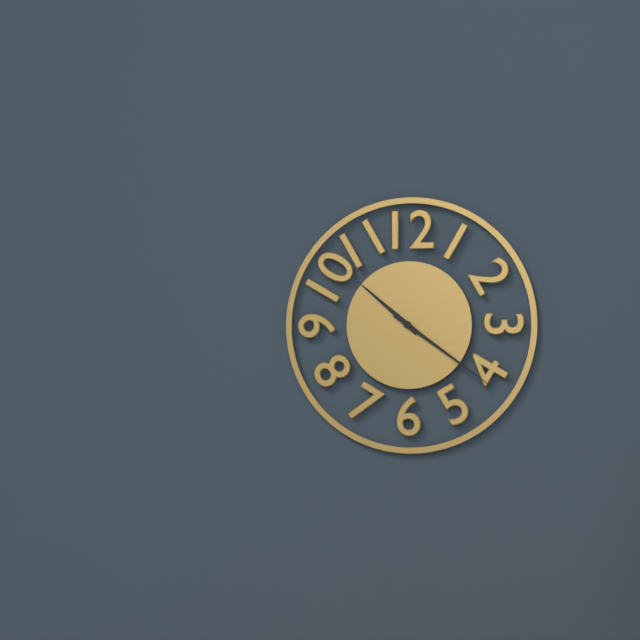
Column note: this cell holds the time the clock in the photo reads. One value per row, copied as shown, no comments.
10:21
